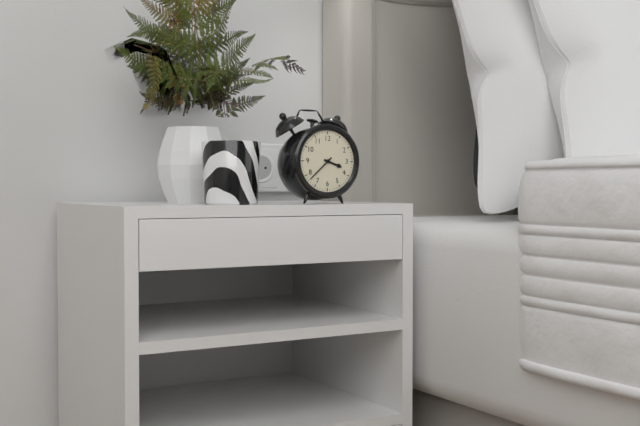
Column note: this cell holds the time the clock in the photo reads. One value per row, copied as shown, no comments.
3:38
